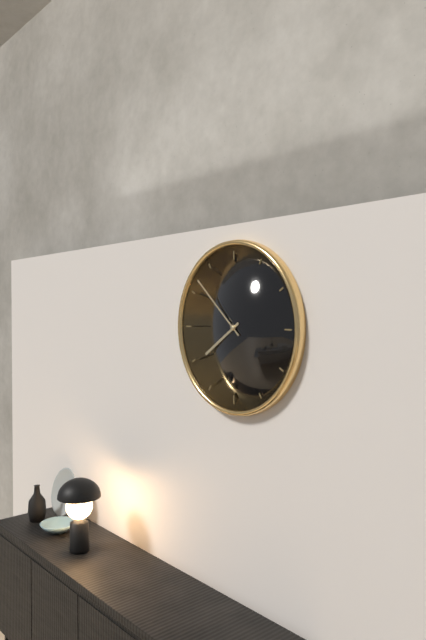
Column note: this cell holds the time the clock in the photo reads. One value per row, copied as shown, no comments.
7:52
